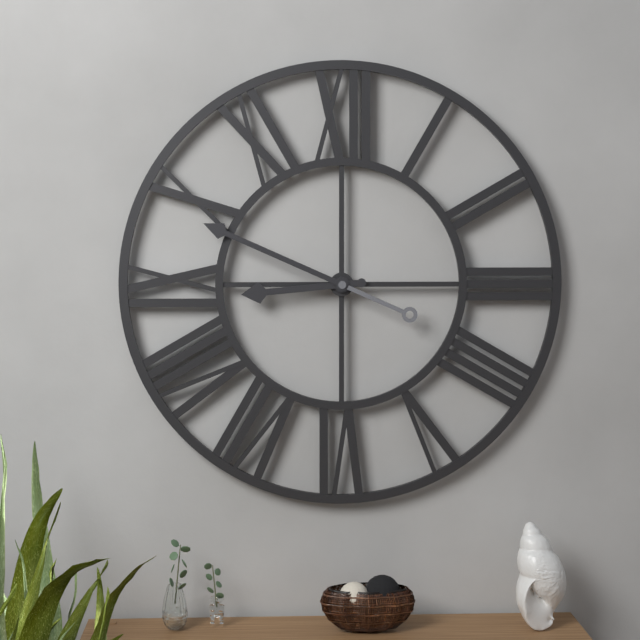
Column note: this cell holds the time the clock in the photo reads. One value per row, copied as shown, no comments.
8:49
